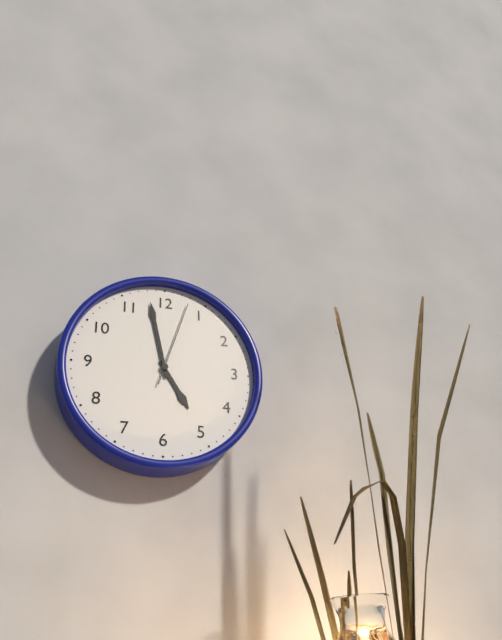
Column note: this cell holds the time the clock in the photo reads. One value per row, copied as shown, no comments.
4:58:03
